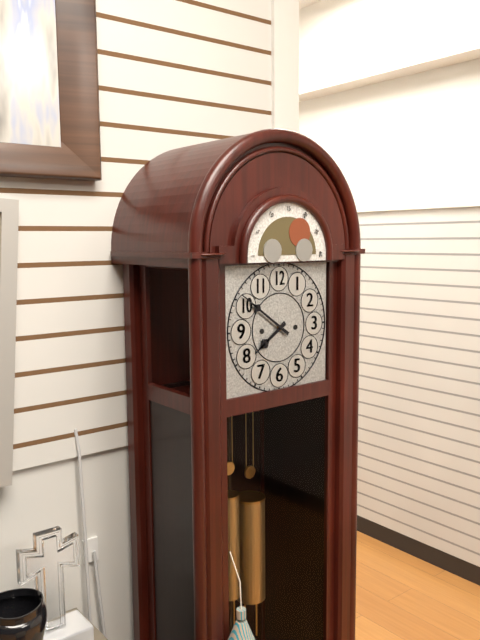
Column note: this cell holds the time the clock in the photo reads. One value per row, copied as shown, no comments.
7:51
